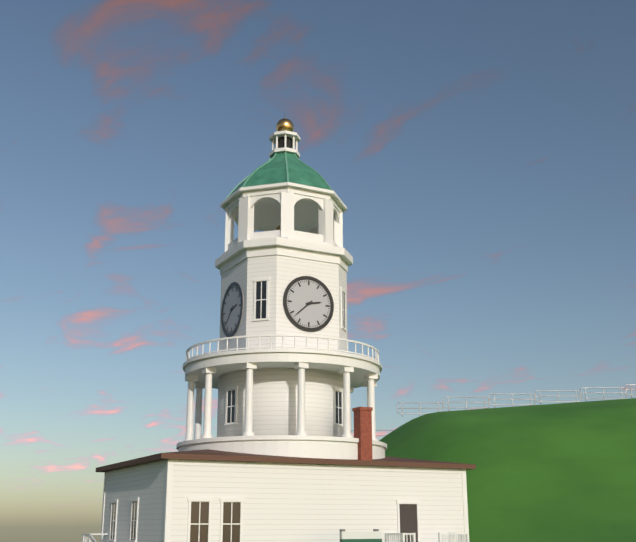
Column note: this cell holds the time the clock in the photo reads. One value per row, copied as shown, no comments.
2:38
